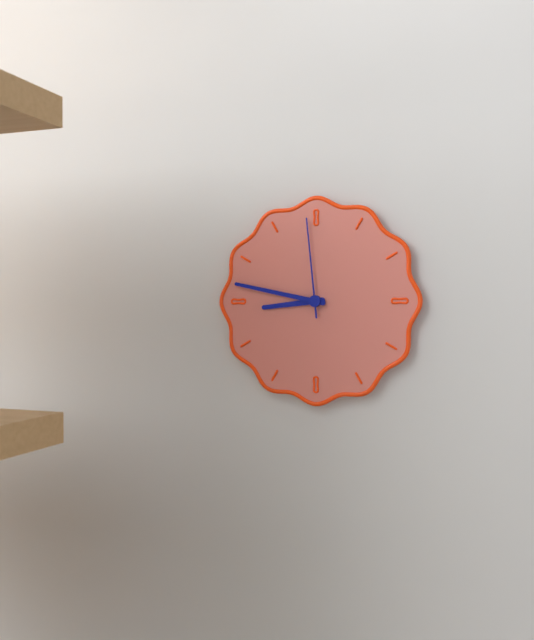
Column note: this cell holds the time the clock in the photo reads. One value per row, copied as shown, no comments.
8:47:59
